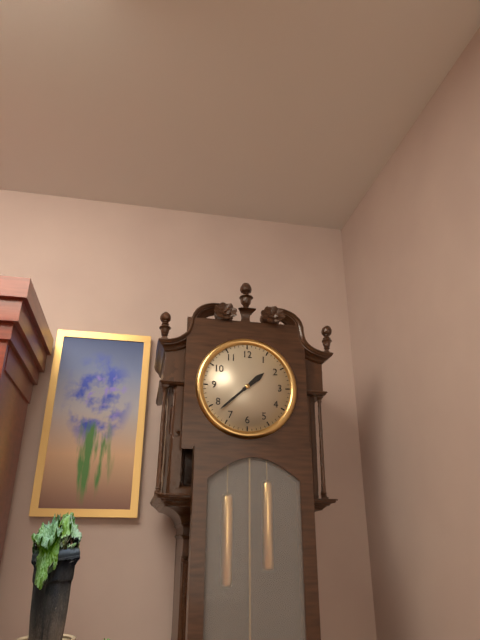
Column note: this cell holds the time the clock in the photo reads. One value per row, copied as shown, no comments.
1:38
